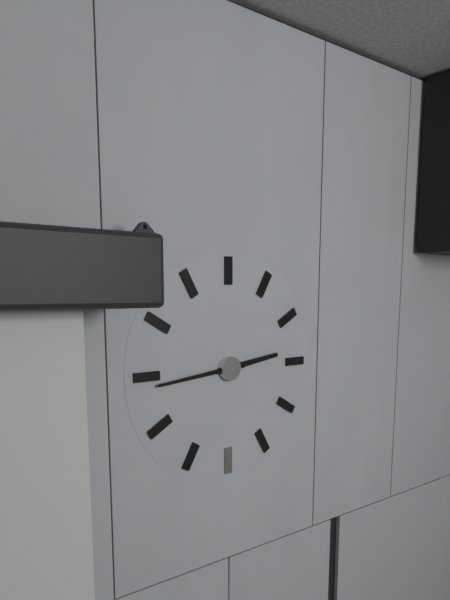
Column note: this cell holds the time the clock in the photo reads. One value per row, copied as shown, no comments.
2:44
